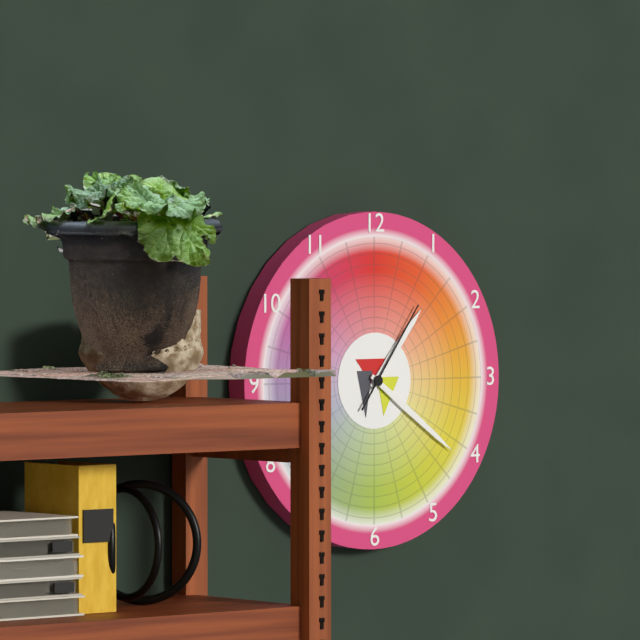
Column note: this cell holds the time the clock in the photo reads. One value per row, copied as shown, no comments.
1:21:06
